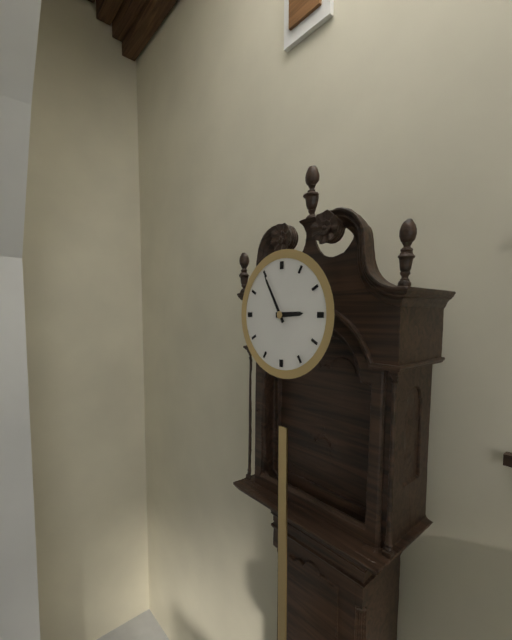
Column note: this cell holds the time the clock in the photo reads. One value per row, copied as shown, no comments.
2:55
